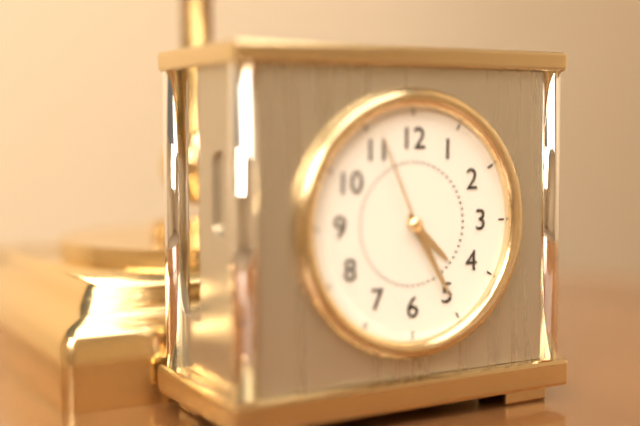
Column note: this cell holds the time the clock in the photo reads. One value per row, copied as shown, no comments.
4:25:56
